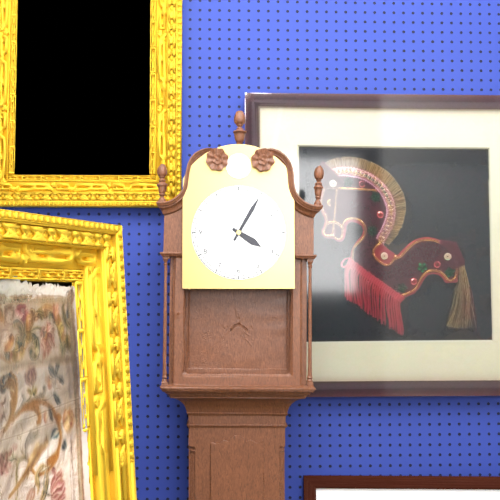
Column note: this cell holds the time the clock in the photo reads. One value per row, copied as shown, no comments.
4:05
